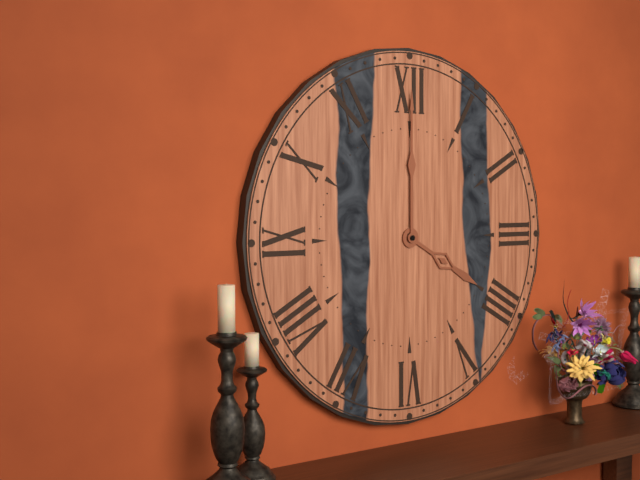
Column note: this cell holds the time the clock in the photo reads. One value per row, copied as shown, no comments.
4:00
